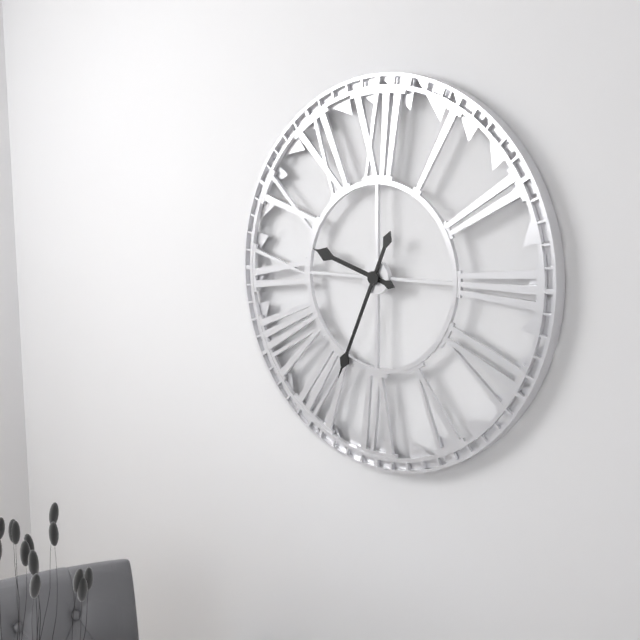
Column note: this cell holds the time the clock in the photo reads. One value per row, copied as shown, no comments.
9:34
